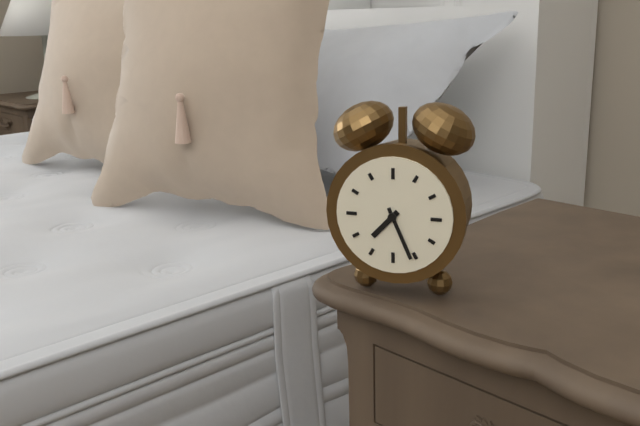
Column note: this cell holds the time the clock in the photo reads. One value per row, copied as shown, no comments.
7:26
